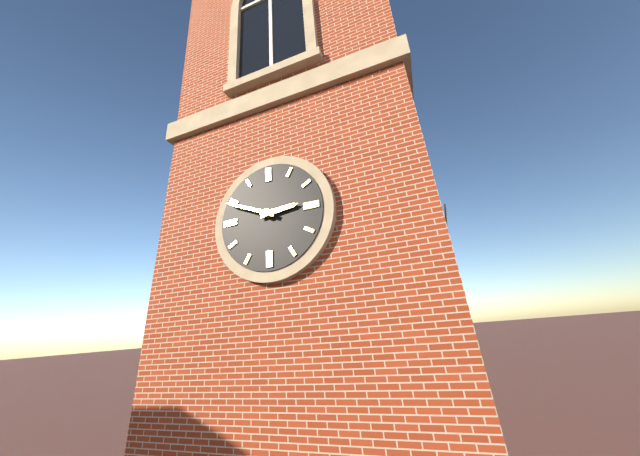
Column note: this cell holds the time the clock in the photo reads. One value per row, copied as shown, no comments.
2:49
